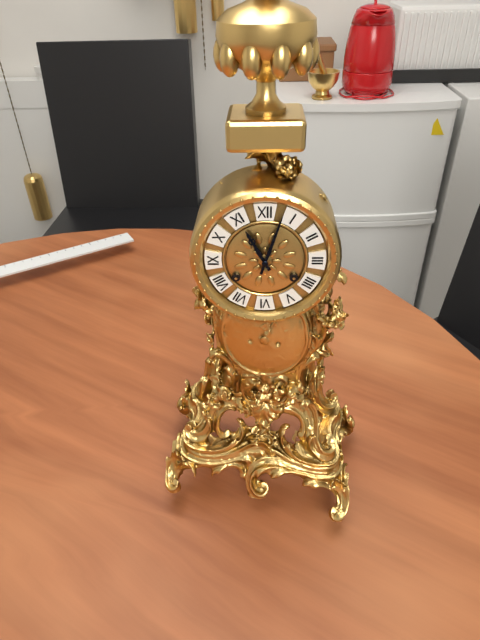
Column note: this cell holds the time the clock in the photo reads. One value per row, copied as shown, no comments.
11:03
